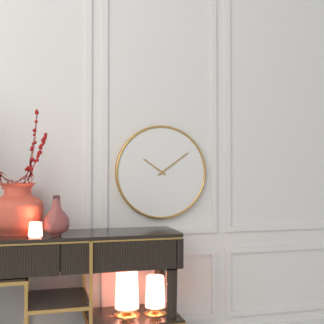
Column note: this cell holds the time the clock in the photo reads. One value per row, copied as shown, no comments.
10:09
